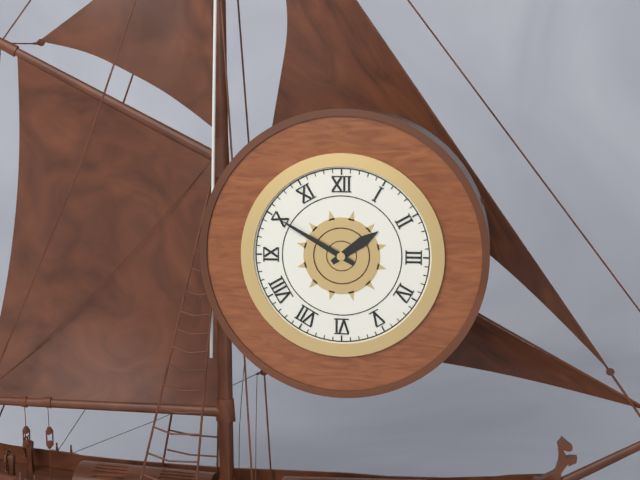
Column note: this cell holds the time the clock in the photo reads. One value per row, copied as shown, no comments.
1:50
